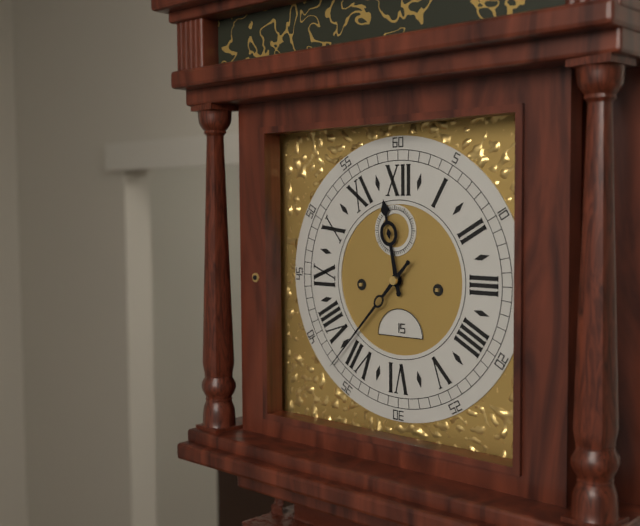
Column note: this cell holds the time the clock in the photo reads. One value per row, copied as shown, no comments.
11:37
